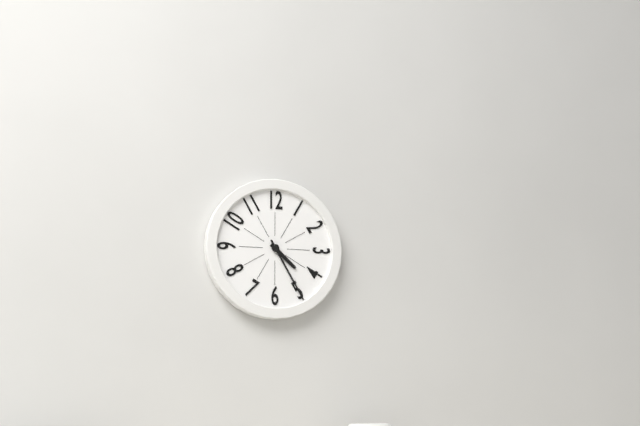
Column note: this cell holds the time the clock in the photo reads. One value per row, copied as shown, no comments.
4:25
